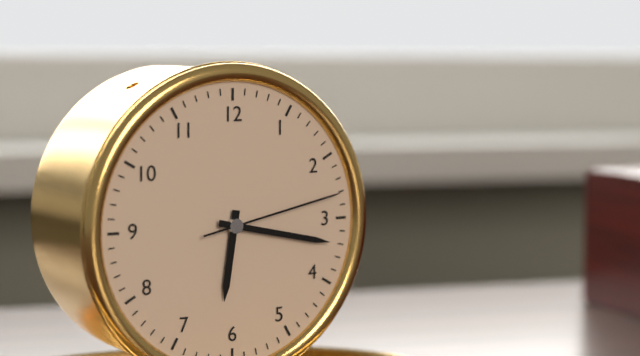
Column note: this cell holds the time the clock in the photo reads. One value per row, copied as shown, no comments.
6:17:13
